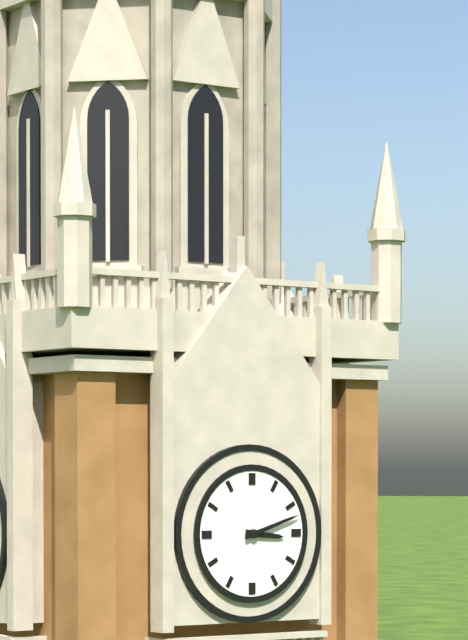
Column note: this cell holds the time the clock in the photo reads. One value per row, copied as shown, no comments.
3:12
